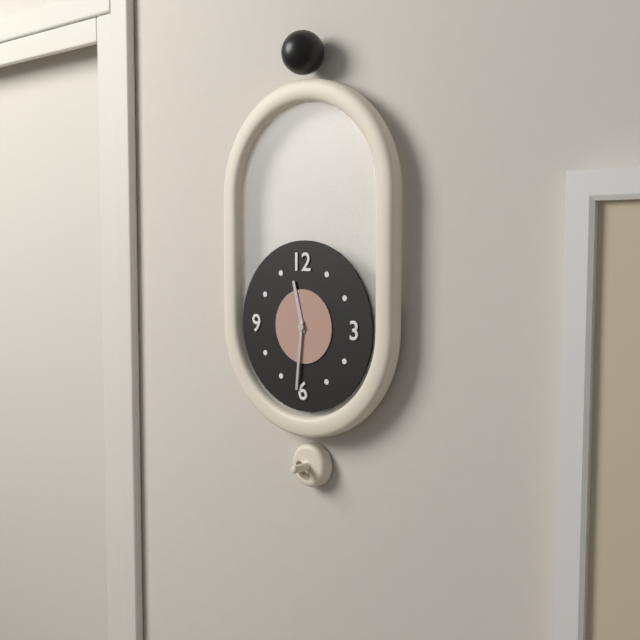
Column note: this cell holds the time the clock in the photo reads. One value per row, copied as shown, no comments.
11:31
